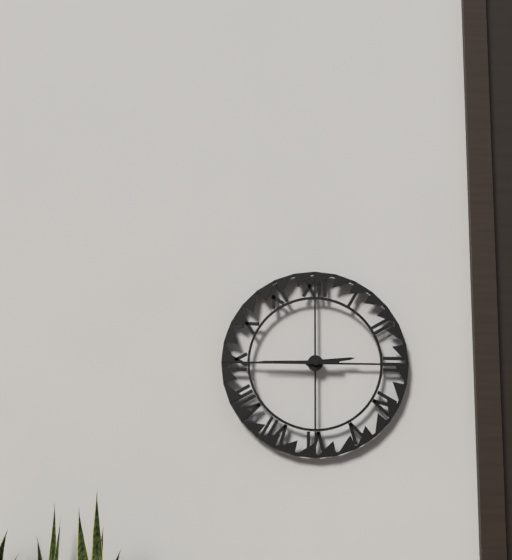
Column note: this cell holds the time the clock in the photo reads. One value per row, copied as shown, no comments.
2:45
